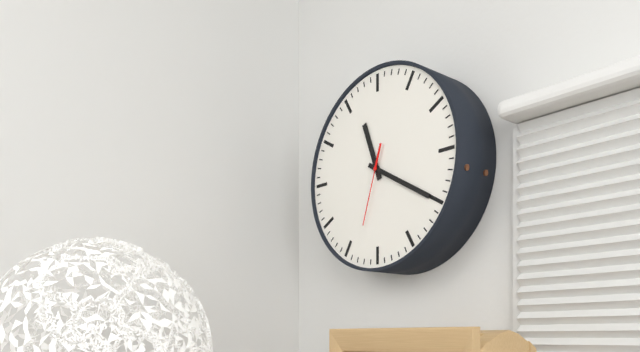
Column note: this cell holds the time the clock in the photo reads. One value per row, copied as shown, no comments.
11:20:33
